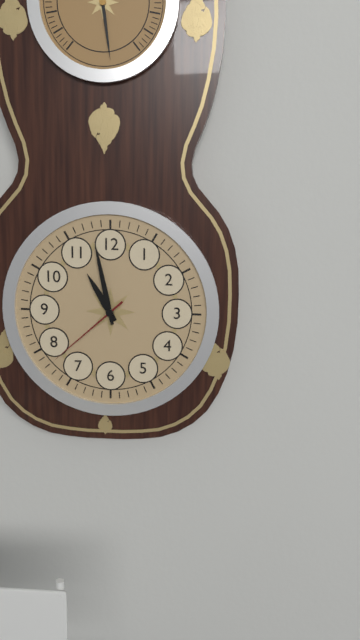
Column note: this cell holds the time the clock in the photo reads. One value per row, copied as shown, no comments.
10:58:38
